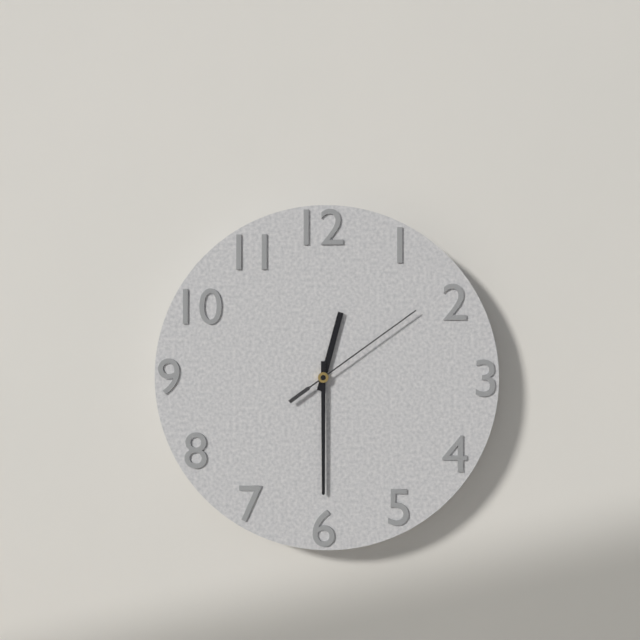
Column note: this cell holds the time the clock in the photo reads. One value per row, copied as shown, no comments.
12:30:09
